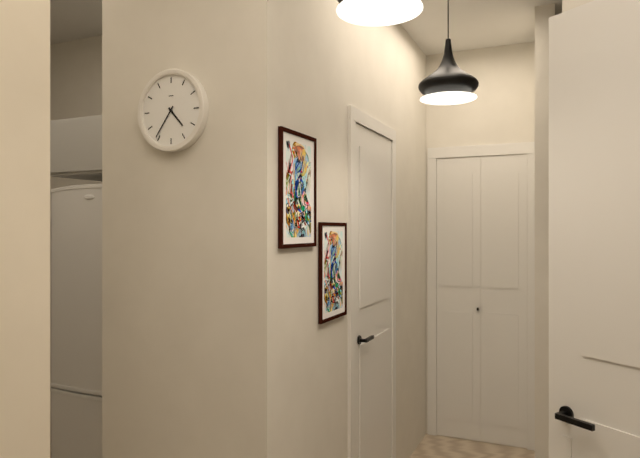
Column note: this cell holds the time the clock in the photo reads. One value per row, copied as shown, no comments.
4:36
